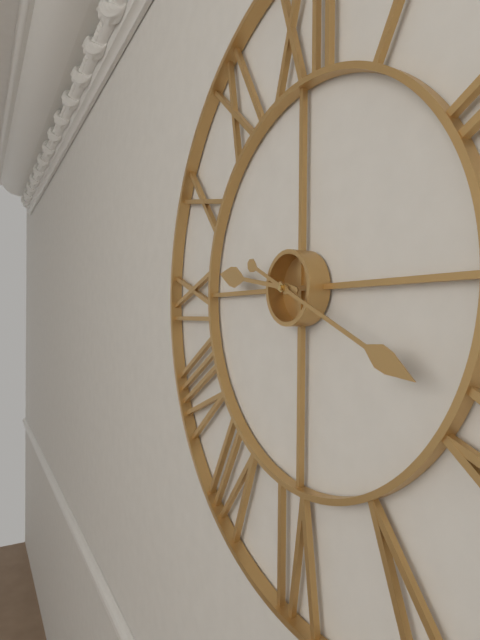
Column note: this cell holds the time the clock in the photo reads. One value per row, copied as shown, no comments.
9:19
